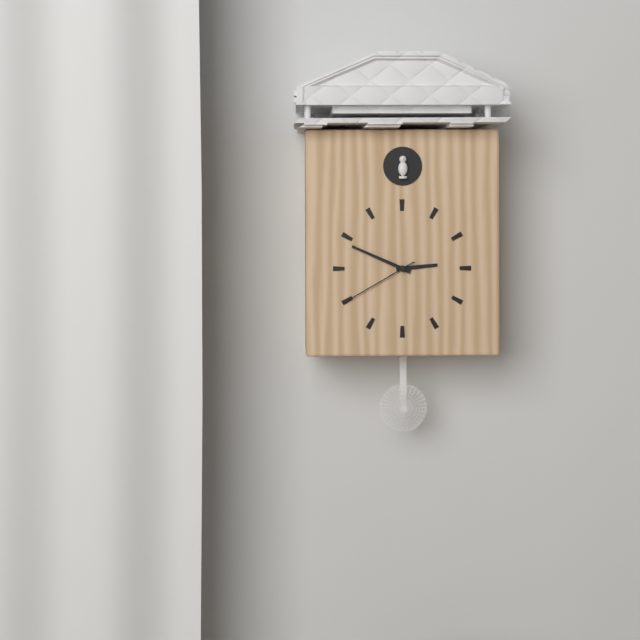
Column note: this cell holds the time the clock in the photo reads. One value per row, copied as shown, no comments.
2:49:40
